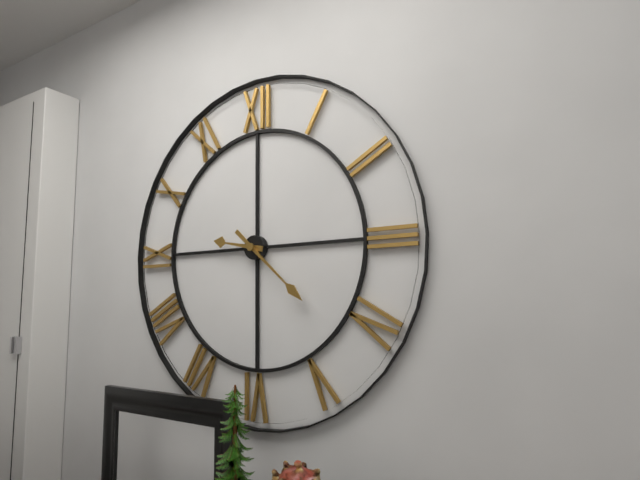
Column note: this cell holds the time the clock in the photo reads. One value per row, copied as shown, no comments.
9:22
